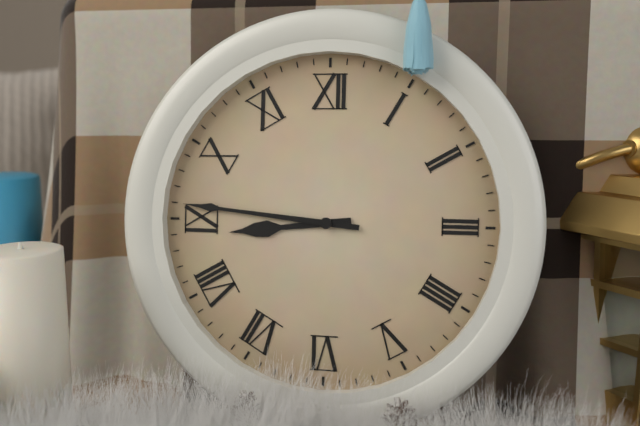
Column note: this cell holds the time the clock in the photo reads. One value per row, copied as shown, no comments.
8:46
